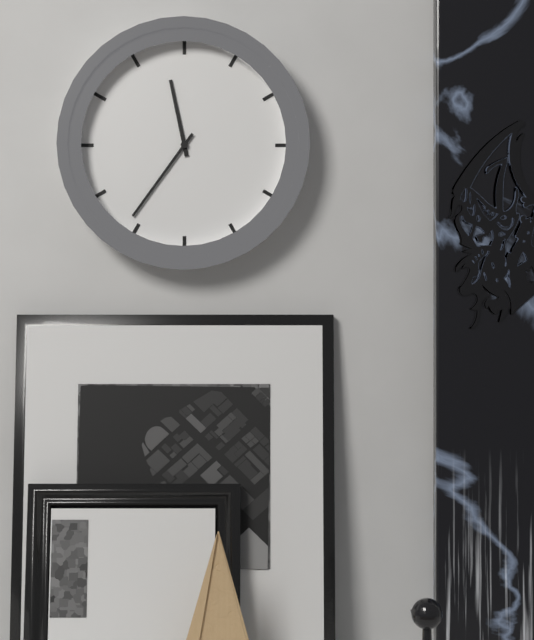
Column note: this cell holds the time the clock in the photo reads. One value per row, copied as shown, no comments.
11:36
